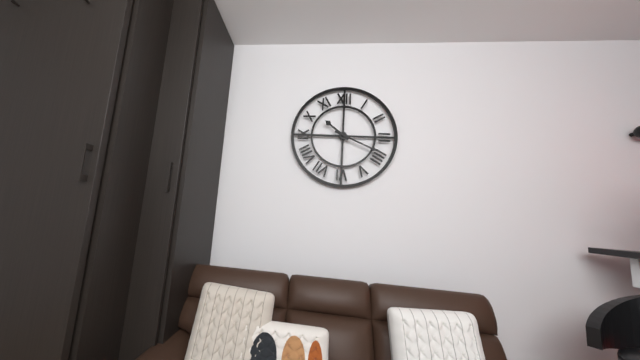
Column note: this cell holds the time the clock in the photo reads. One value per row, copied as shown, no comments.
10:19
